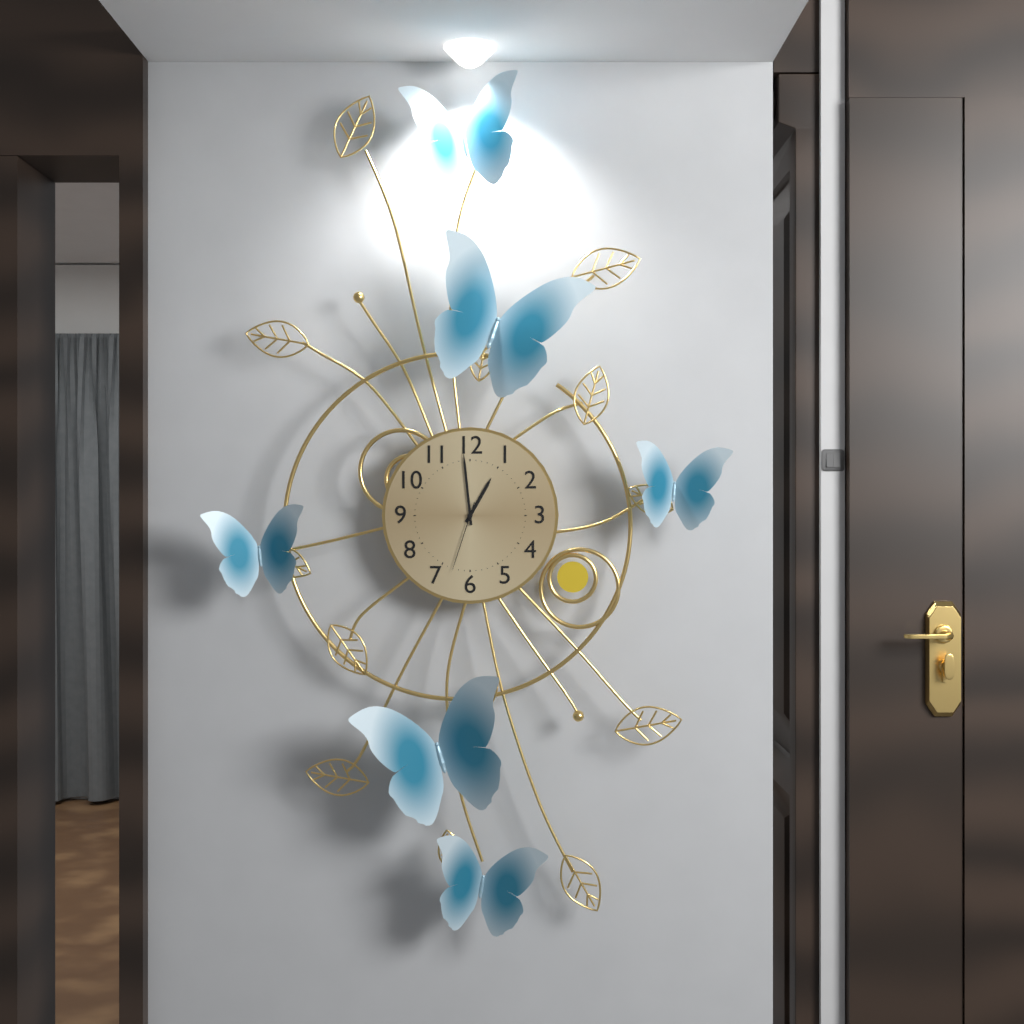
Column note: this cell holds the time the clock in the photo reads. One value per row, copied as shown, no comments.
12:59:33
